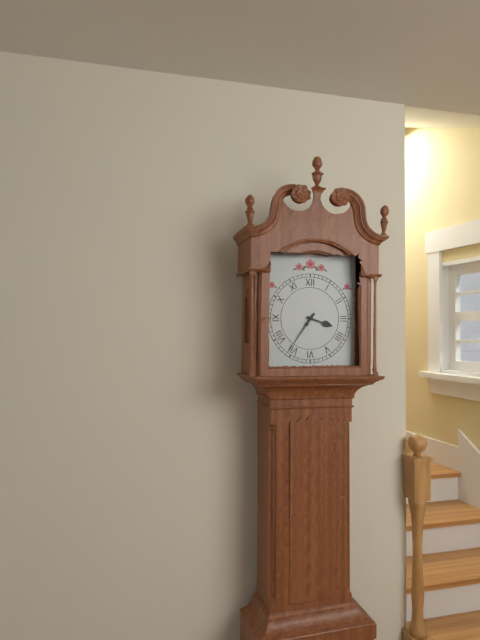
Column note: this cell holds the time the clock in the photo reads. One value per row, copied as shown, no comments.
3:36
